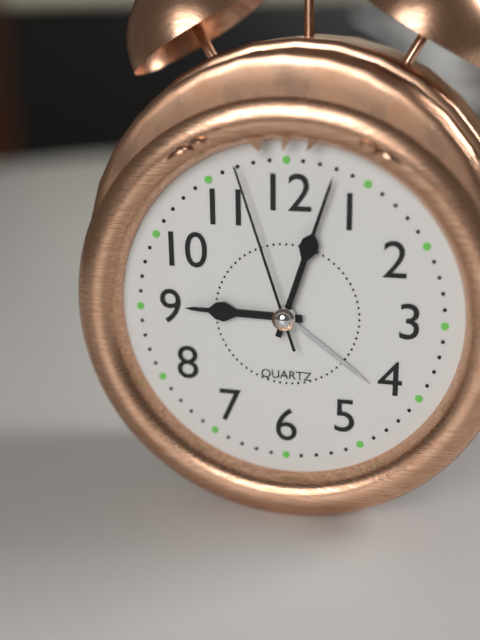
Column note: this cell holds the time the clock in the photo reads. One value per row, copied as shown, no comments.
9:03:57
